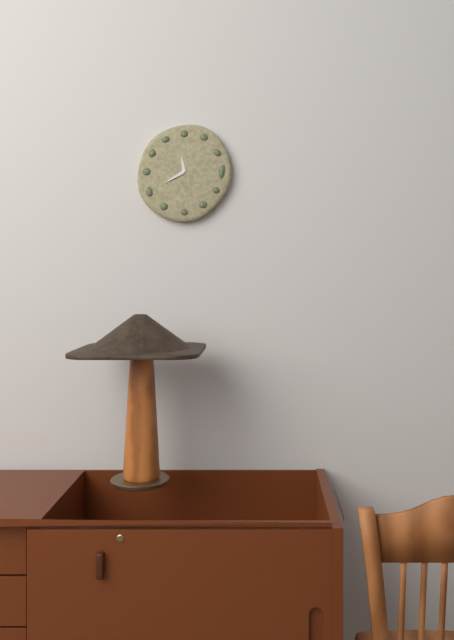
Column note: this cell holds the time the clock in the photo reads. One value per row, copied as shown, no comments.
11:40
